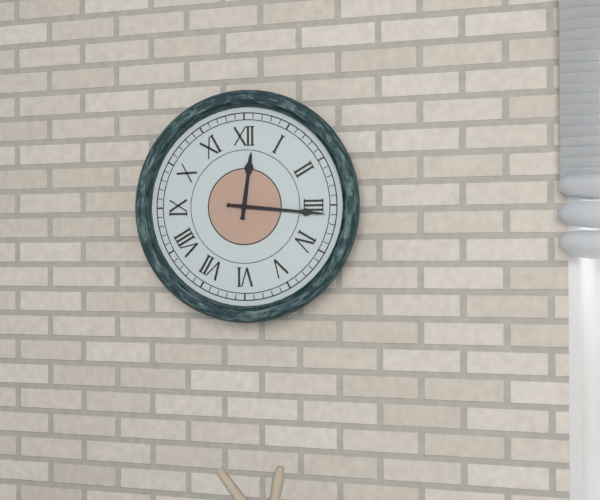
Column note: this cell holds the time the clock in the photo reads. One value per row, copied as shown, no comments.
12:16
